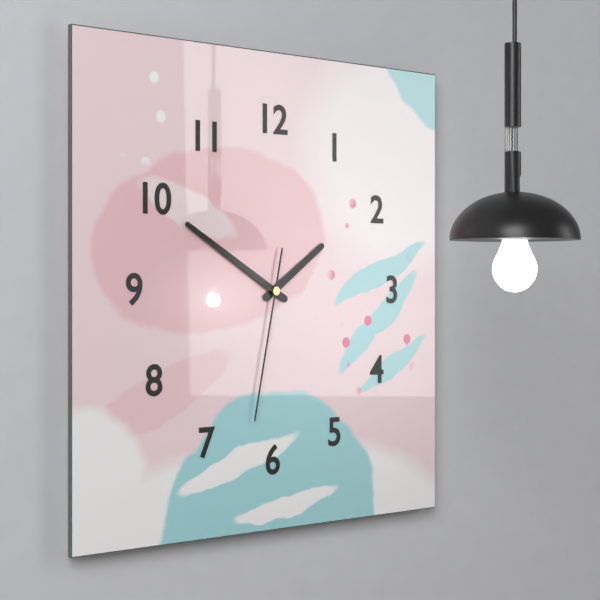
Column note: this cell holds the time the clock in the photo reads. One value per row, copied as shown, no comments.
1:50:32
